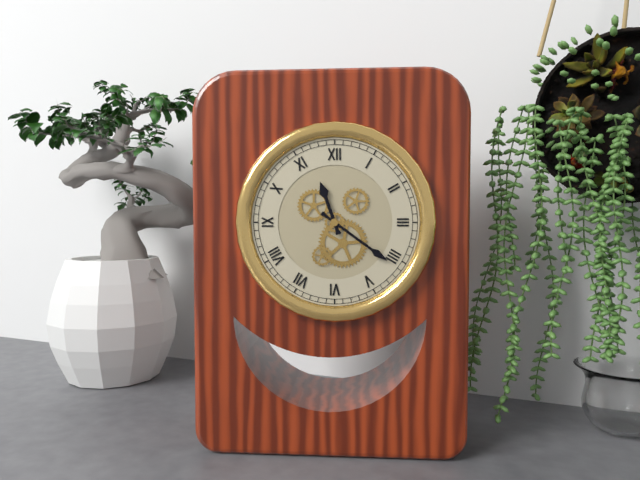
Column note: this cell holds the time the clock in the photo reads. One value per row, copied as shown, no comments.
11:21
